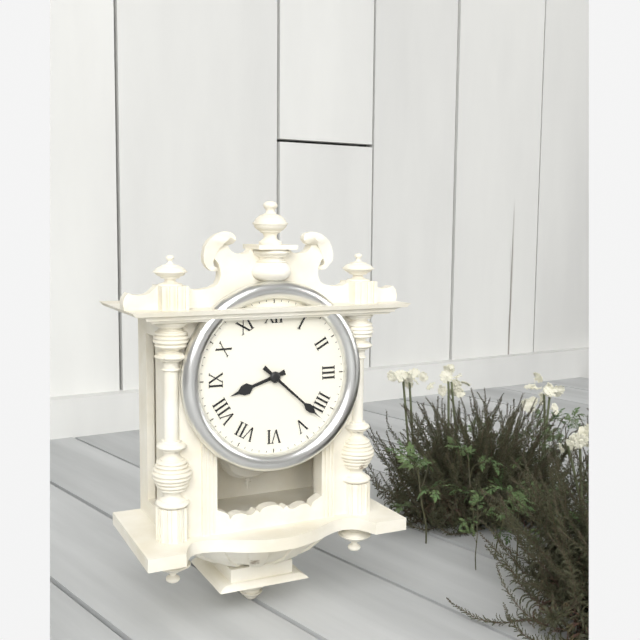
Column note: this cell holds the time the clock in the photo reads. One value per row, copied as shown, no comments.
8:22
